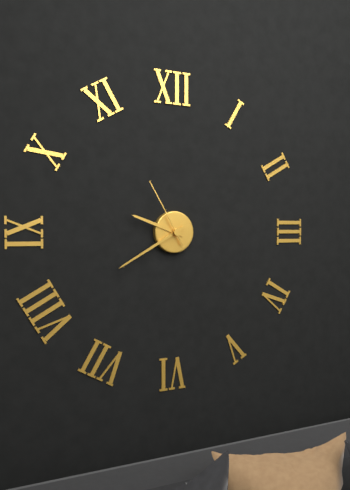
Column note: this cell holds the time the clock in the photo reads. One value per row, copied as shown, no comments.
9:40:55
